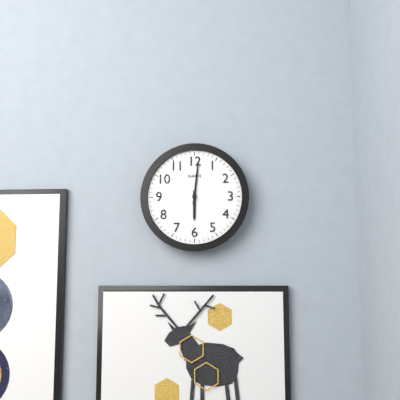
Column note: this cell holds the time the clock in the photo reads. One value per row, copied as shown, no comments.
6:01
